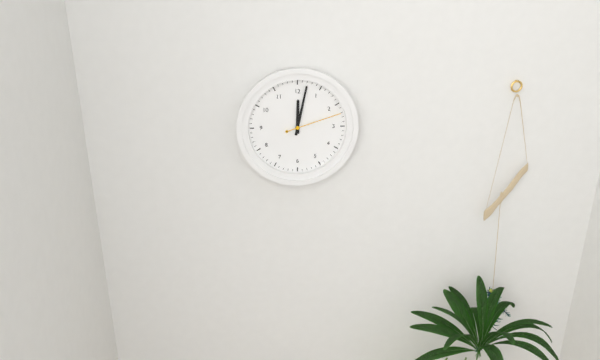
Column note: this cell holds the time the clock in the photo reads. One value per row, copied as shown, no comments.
12:02:12
